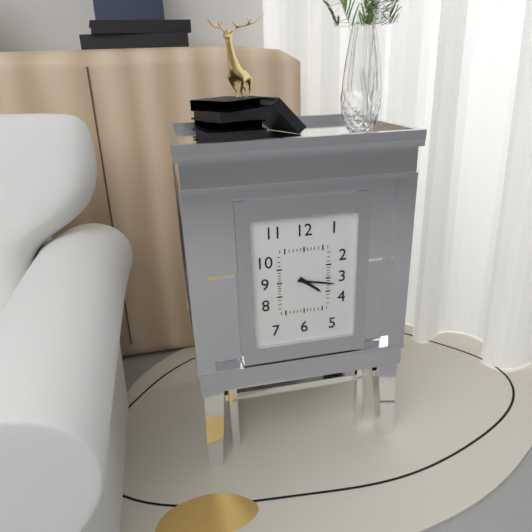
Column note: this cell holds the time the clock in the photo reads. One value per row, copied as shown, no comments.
4:17
